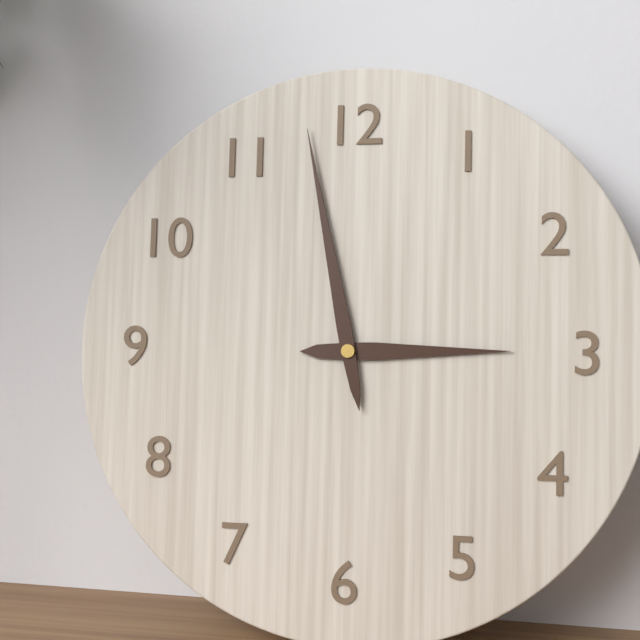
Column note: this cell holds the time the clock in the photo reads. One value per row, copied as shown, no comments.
2:58
